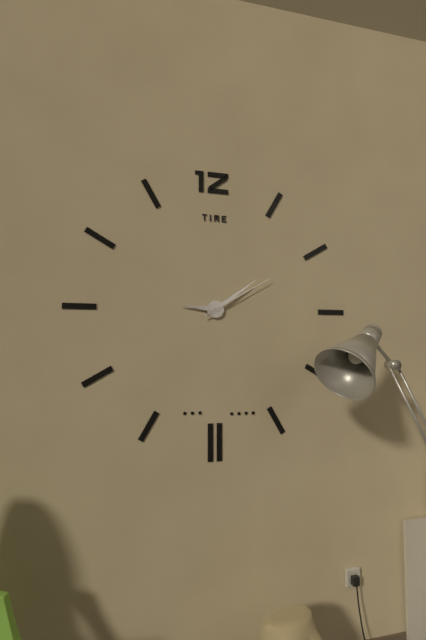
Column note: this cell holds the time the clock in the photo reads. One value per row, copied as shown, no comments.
9:09:10
